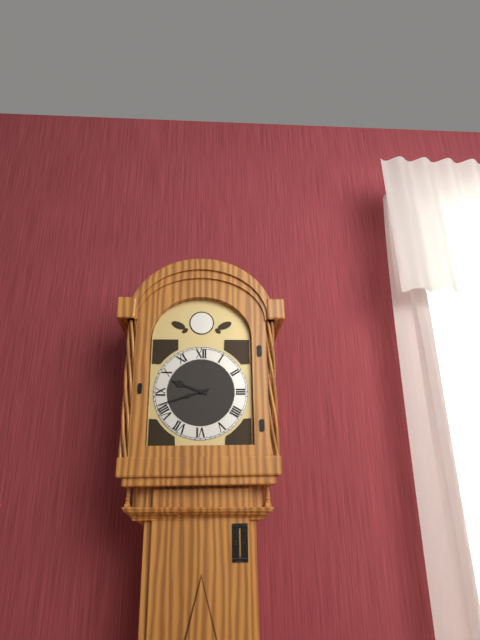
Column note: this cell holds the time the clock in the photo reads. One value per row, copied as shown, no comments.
9:42
